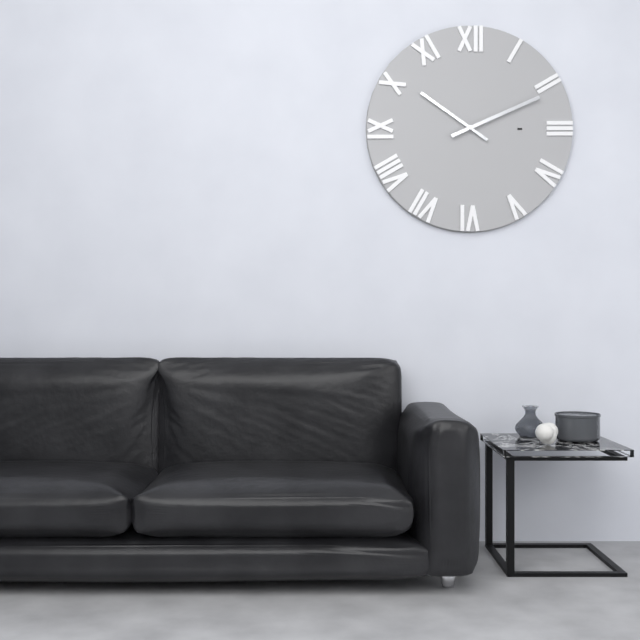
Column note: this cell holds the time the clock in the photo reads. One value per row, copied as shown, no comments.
10:11
